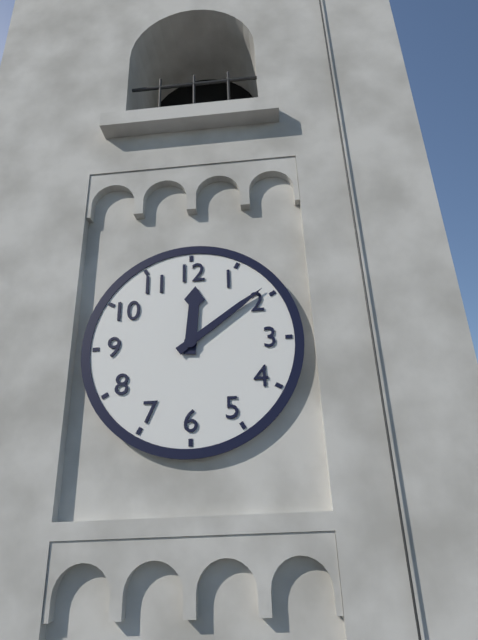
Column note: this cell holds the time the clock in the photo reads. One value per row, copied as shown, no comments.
12:09
